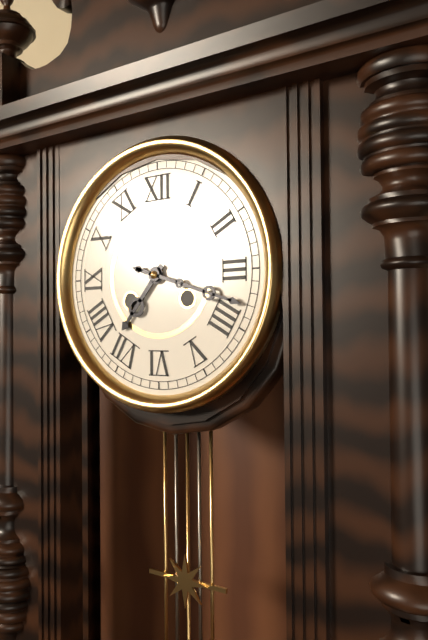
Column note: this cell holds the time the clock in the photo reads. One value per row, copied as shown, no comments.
7:18
